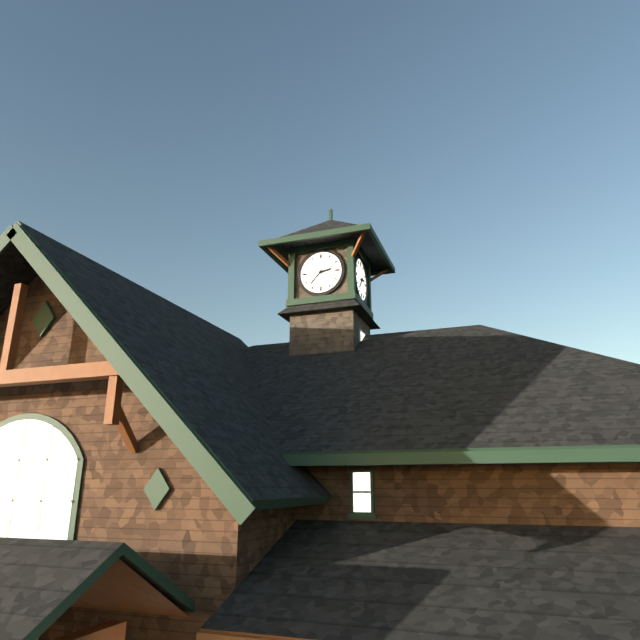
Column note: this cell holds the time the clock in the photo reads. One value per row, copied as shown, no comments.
2:37
